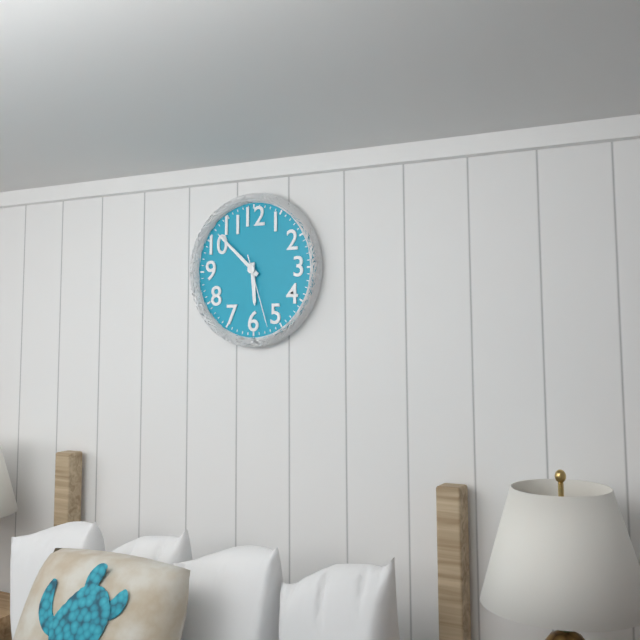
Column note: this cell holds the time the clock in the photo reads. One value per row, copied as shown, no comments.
5:52:27
